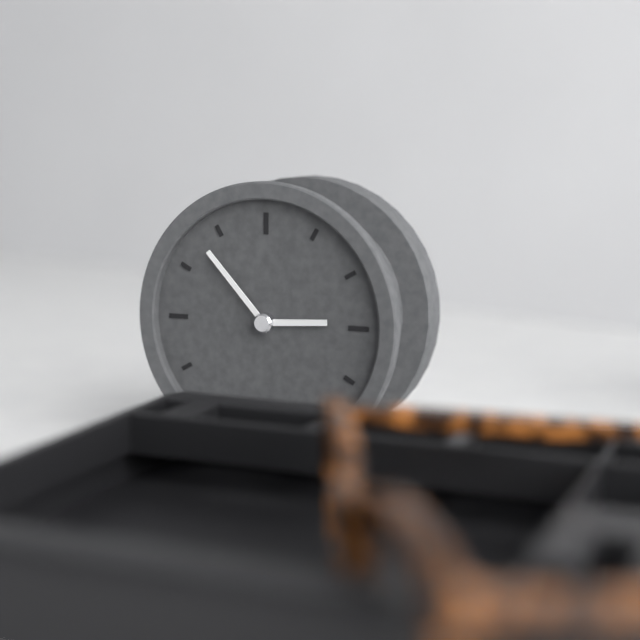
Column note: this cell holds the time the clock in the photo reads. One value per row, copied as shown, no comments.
2:53
